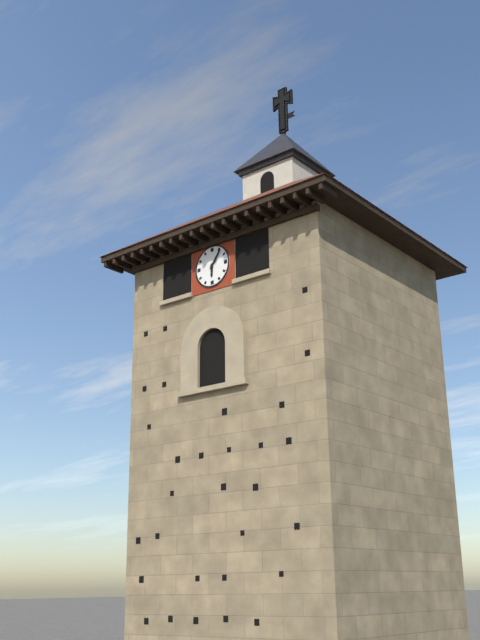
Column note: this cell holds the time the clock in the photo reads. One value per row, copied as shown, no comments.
6:06
